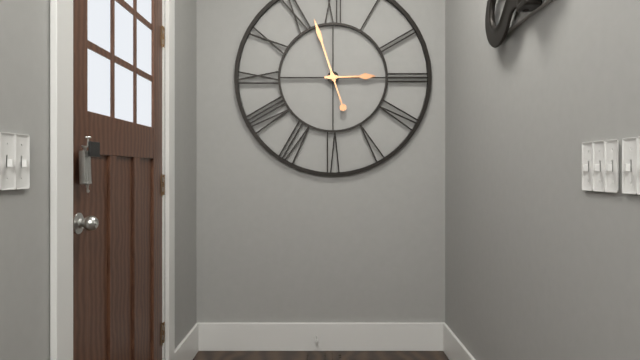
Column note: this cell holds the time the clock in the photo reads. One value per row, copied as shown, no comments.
2:57
